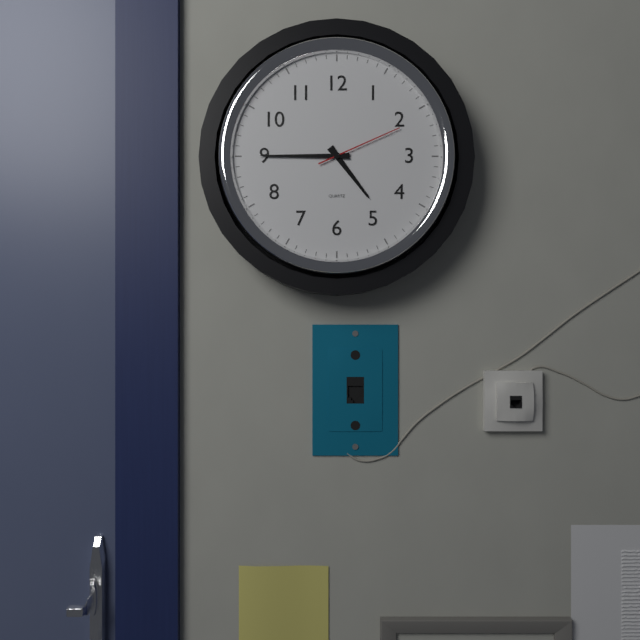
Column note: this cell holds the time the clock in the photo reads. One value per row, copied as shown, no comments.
4:45:11
